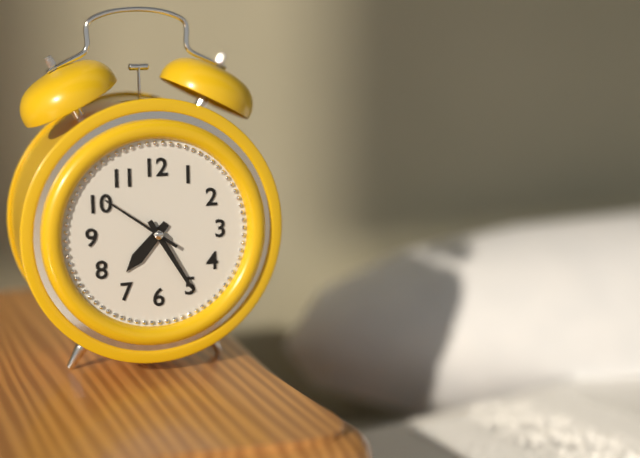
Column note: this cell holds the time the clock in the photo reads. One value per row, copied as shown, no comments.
7:25:51
